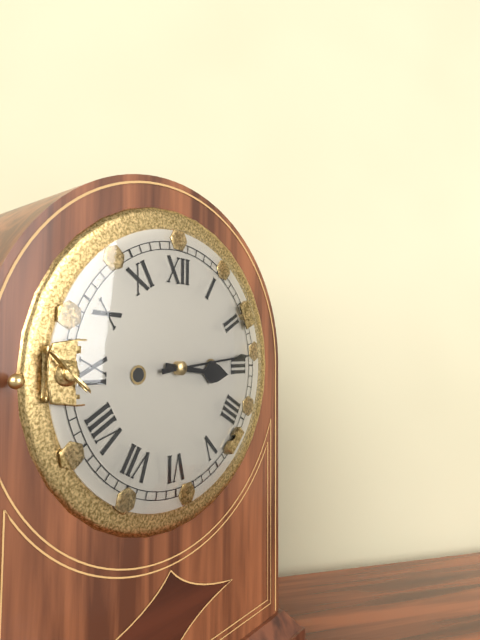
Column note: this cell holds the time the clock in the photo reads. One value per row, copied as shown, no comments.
3:14
